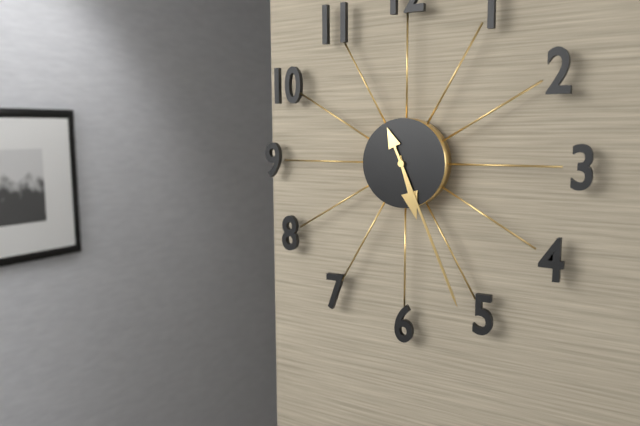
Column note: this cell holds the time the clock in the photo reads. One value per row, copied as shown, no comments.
5:26
